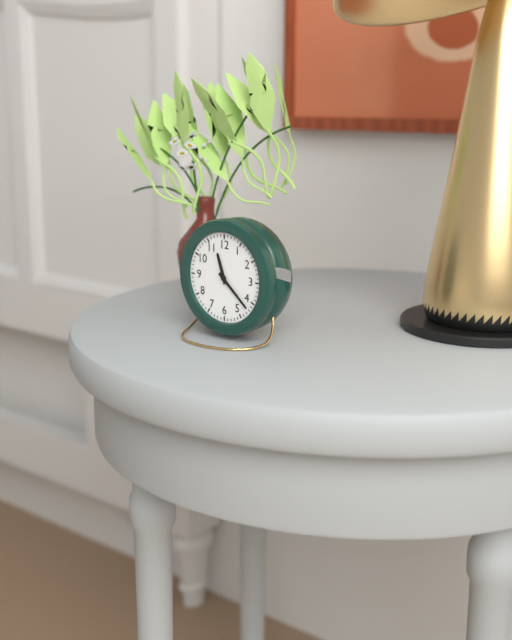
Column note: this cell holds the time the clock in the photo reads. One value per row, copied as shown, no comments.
11:22
